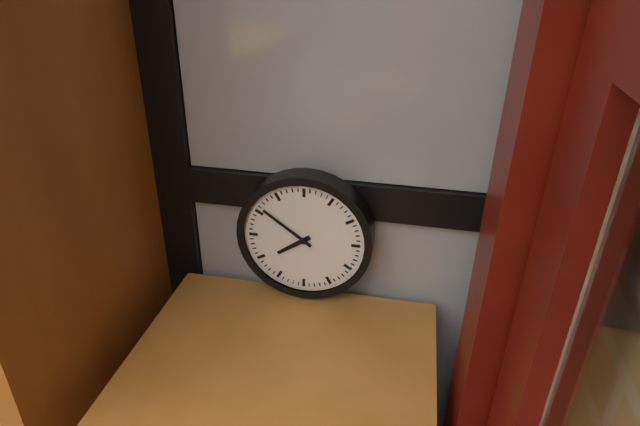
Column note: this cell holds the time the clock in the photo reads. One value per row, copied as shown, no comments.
7:51
